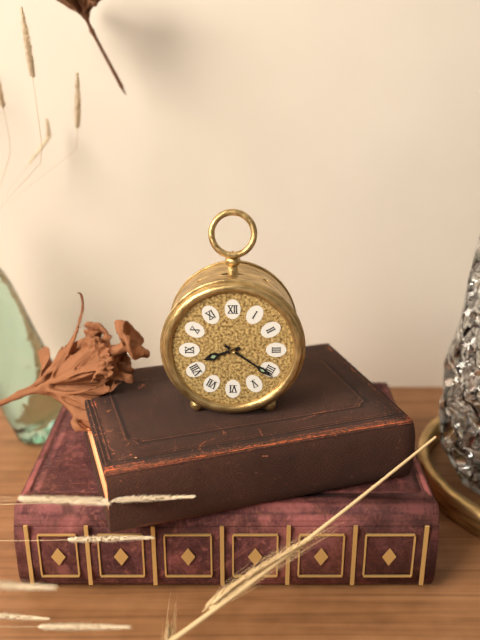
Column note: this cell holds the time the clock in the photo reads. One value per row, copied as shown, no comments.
8:21
